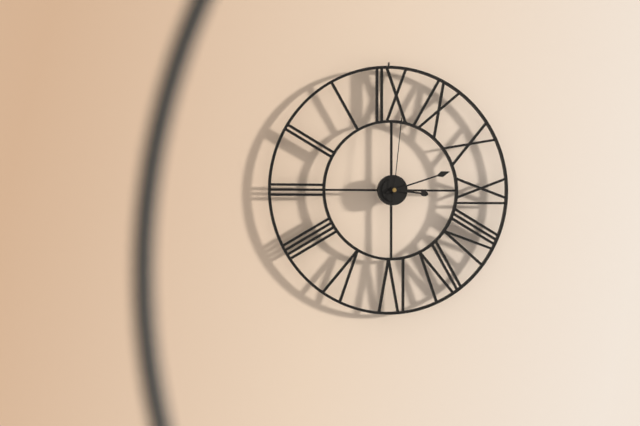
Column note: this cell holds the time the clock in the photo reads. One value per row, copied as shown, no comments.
3:12:01
